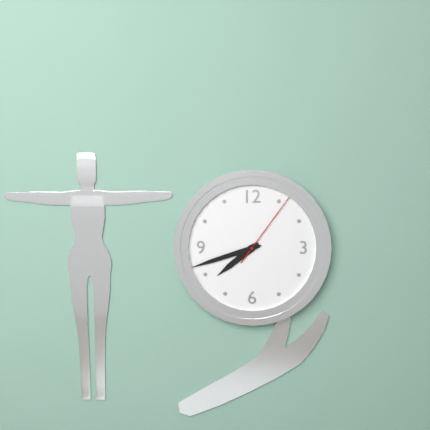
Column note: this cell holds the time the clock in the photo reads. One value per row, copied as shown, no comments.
7:42:06
